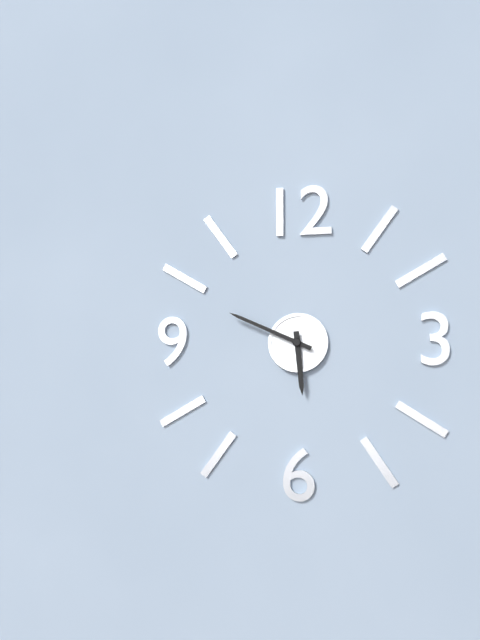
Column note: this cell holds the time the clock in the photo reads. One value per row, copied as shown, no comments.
5:49
